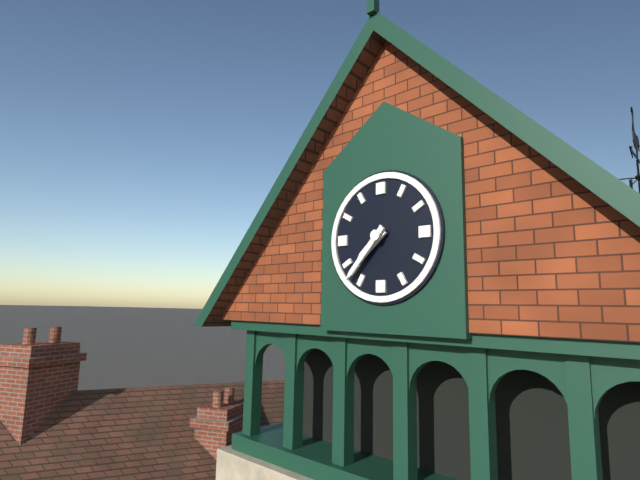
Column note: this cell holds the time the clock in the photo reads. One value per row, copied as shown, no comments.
7:37
